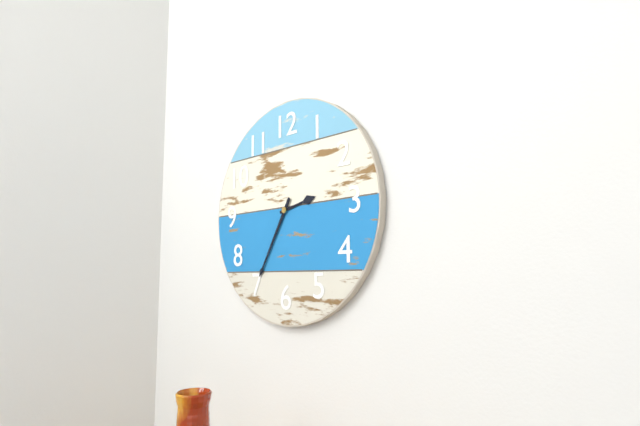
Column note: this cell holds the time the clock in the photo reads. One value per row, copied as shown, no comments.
2:35
